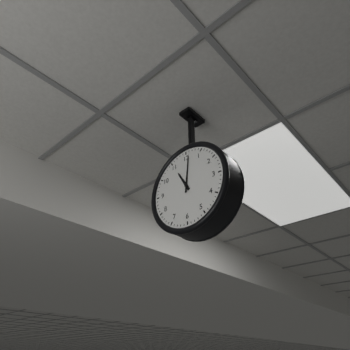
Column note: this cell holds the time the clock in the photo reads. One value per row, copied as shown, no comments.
11:01
